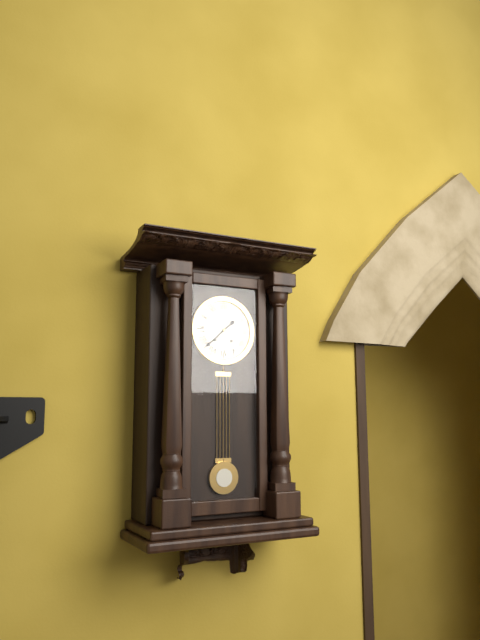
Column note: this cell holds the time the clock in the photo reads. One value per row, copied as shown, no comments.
1:38
